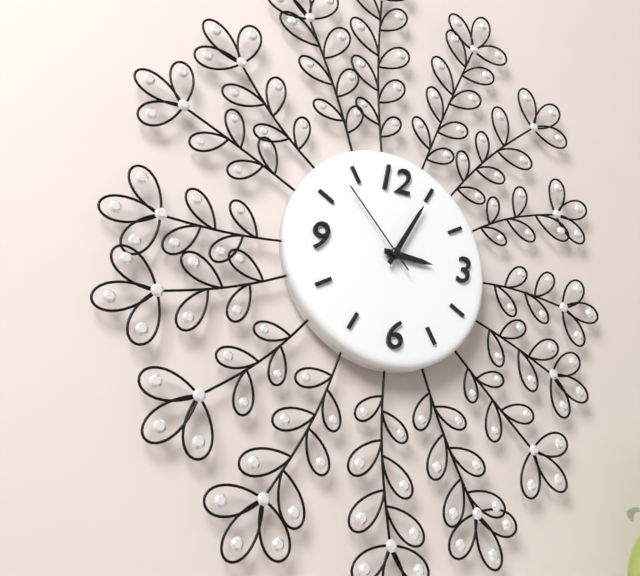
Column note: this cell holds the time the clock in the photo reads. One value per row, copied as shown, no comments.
3:05:53
